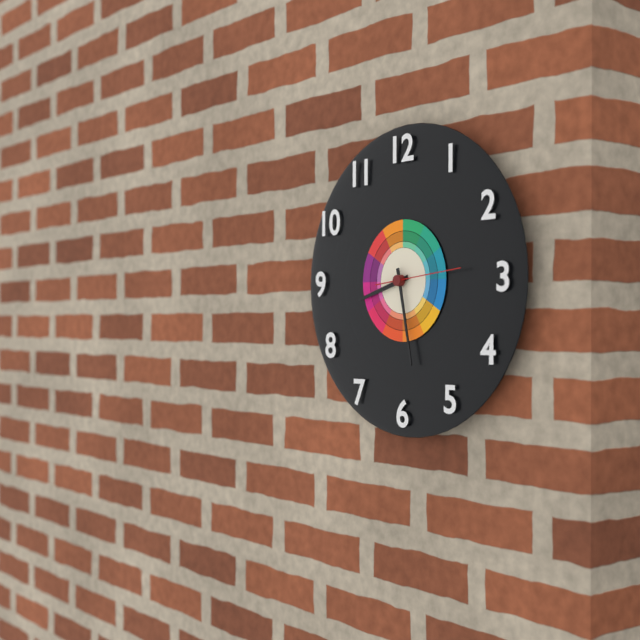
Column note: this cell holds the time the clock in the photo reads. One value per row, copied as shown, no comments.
8:28:14
